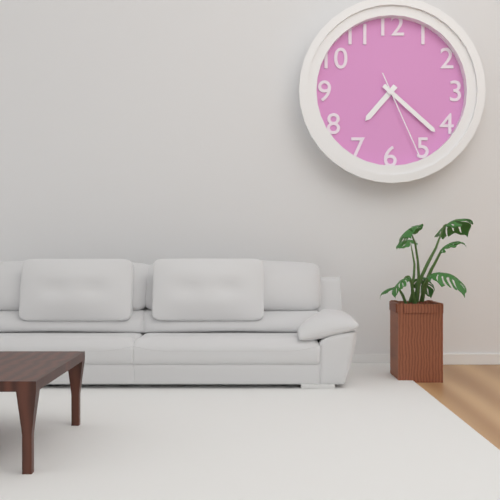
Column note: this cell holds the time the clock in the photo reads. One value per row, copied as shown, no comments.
7:22:26
